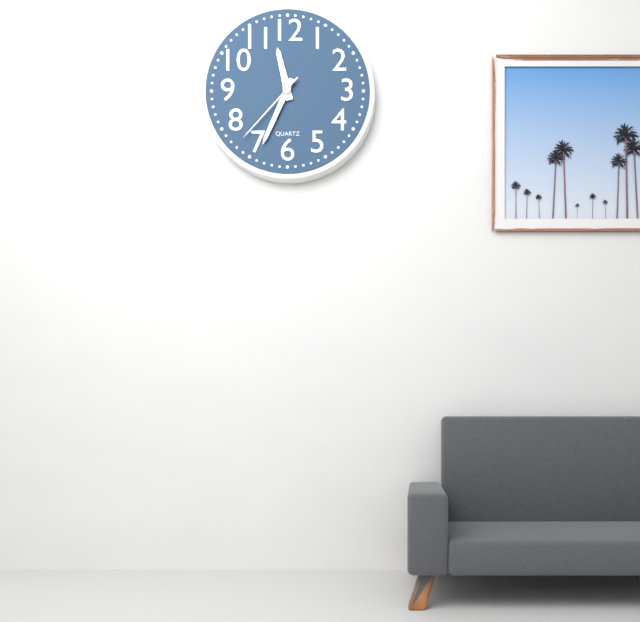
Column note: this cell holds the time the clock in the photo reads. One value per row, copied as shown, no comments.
11:34:37
